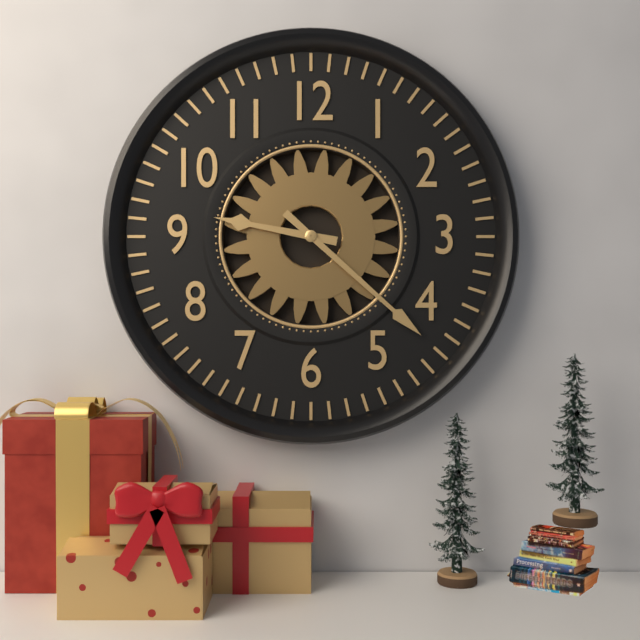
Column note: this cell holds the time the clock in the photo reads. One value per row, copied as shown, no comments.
9:22
